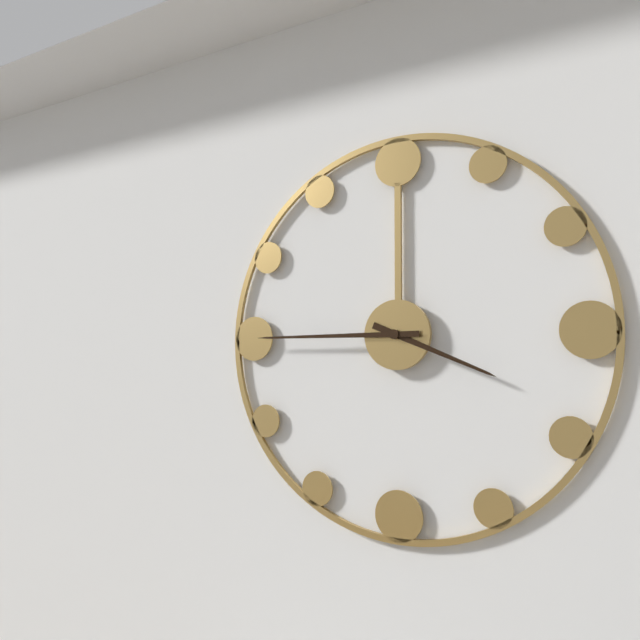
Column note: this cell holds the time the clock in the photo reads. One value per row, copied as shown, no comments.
3:45
